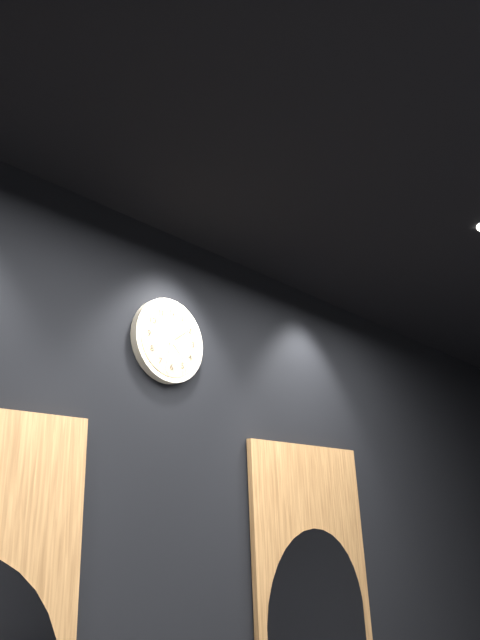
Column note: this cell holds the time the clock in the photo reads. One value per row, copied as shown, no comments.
4:32
